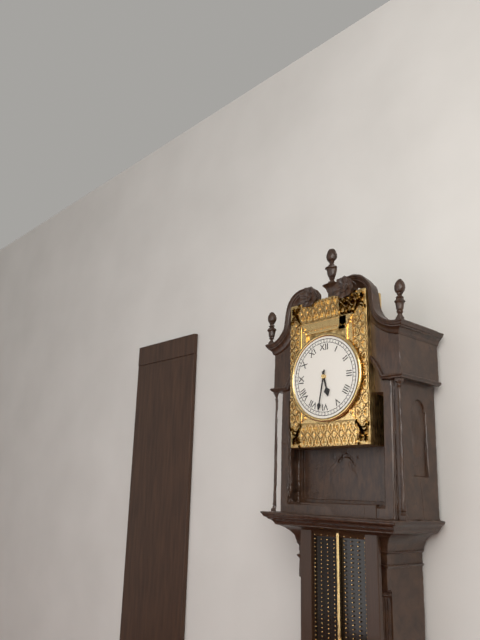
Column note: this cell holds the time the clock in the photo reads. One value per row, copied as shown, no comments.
5:32
